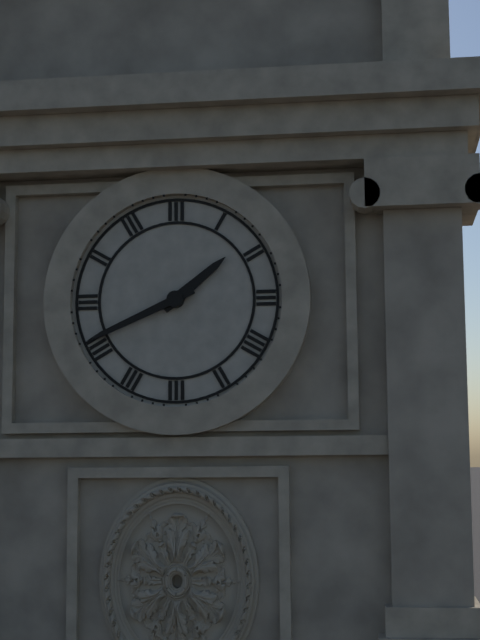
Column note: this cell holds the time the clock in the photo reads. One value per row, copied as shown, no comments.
1:41
